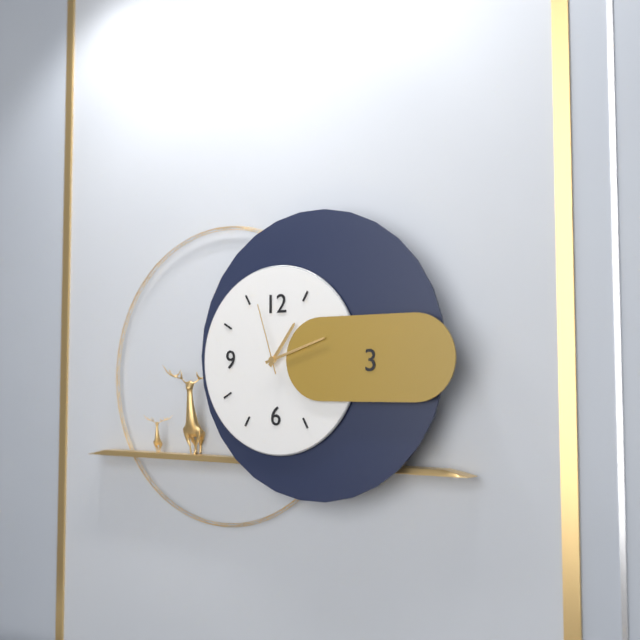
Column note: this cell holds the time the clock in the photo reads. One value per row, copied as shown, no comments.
1:12:57
